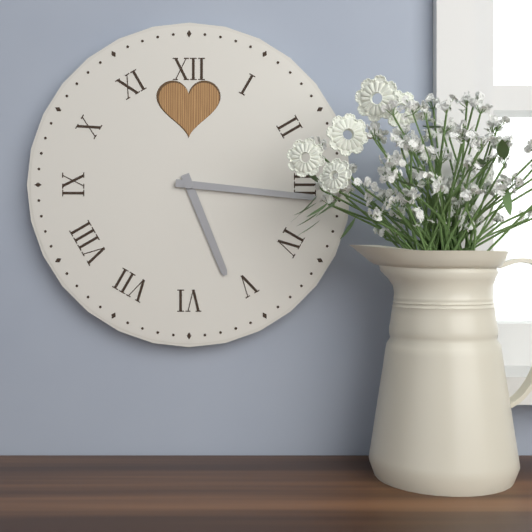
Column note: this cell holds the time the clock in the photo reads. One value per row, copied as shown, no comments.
5:16
